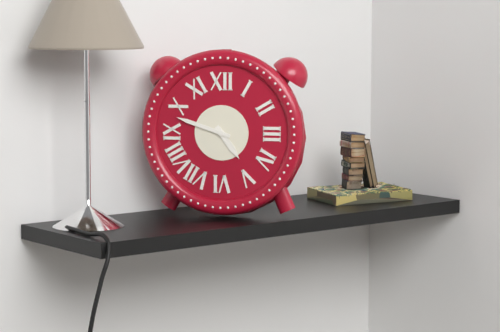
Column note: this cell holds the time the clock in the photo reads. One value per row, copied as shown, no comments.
4:48
